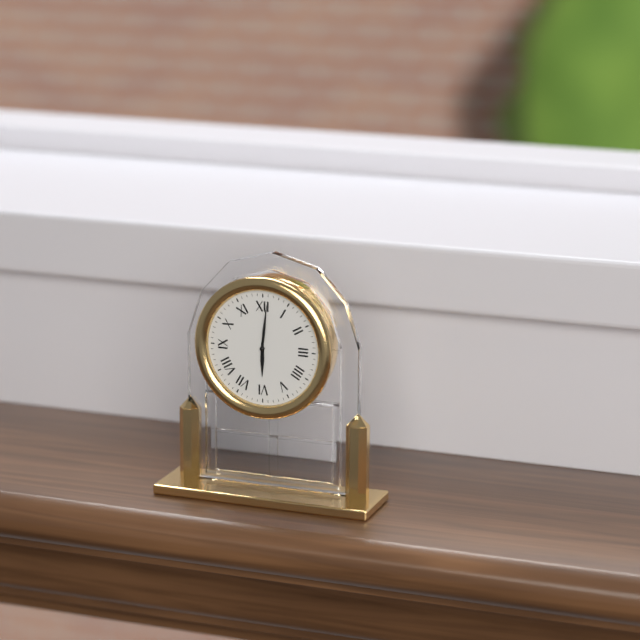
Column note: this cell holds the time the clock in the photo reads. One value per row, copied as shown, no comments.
6:01
